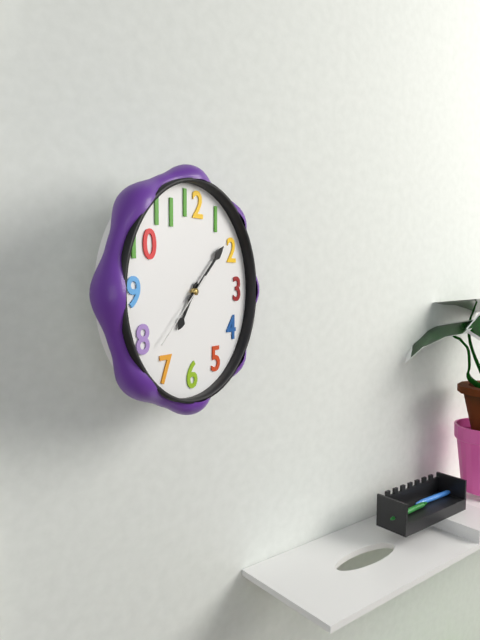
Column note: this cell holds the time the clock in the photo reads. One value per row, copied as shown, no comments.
7:08:38
